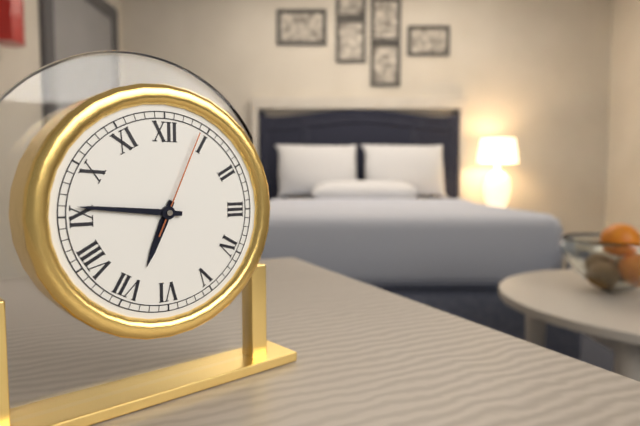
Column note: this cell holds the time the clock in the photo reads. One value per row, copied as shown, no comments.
6:46:04
